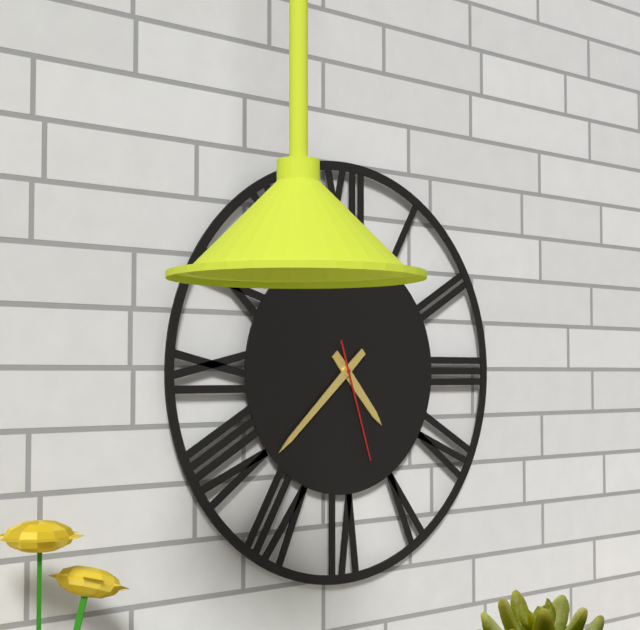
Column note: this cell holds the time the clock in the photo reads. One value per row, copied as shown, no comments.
4:38:27
